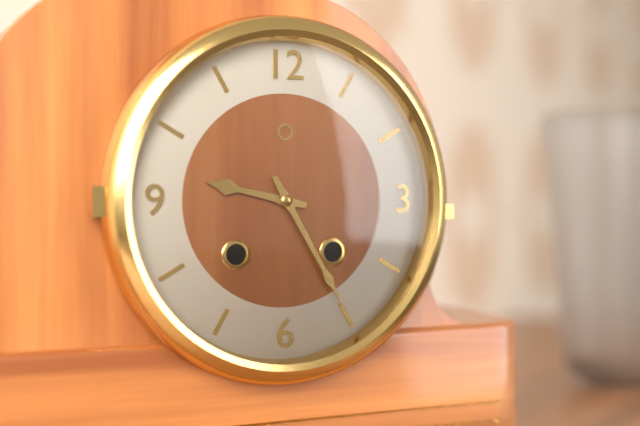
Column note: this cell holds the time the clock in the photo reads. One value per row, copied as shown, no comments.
9:25
